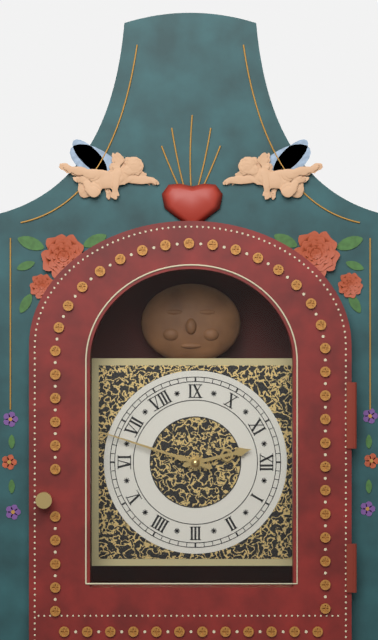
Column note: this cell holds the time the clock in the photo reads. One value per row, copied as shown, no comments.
11:33
